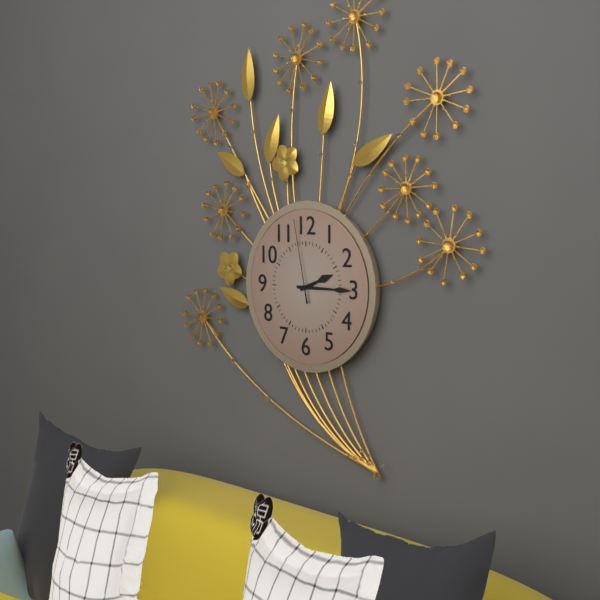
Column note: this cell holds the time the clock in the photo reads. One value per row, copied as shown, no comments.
2:15:58
